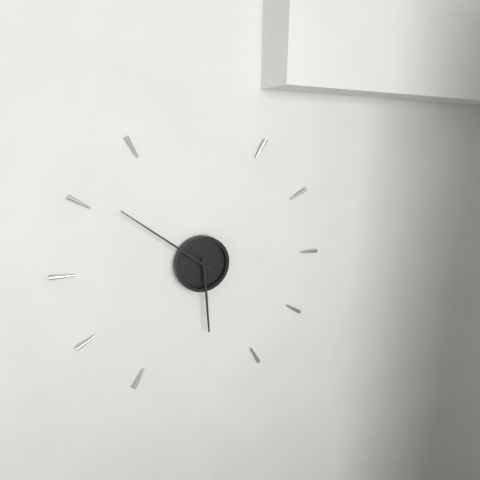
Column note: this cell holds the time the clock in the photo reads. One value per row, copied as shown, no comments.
5:51
